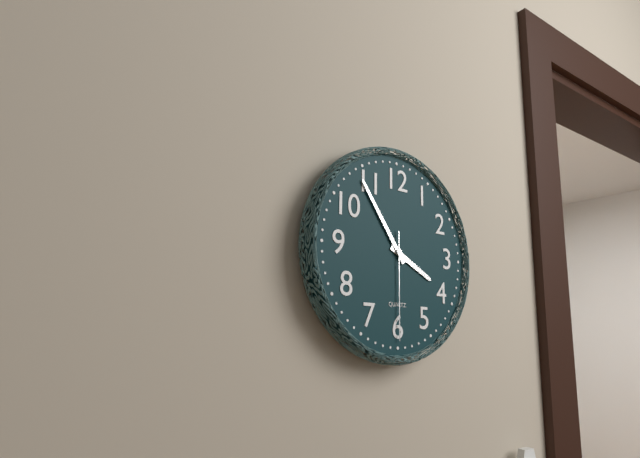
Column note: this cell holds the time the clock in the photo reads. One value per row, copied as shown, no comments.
3:54:30
